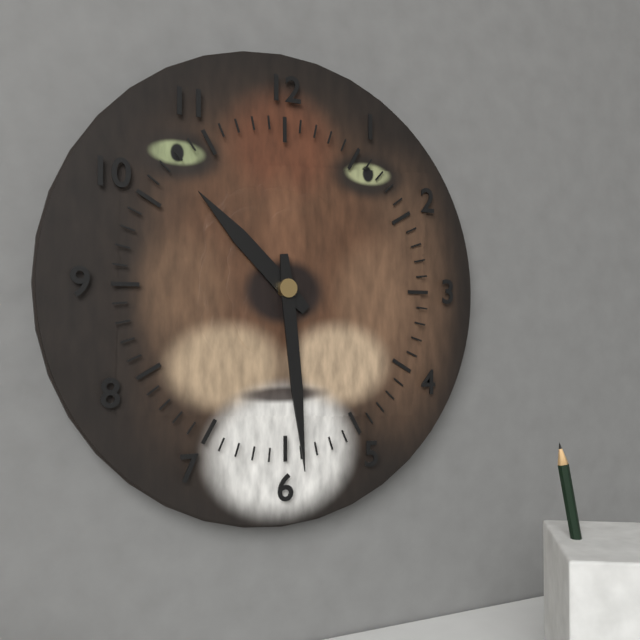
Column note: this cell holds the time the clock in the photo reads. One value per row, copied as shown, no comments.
10:29
